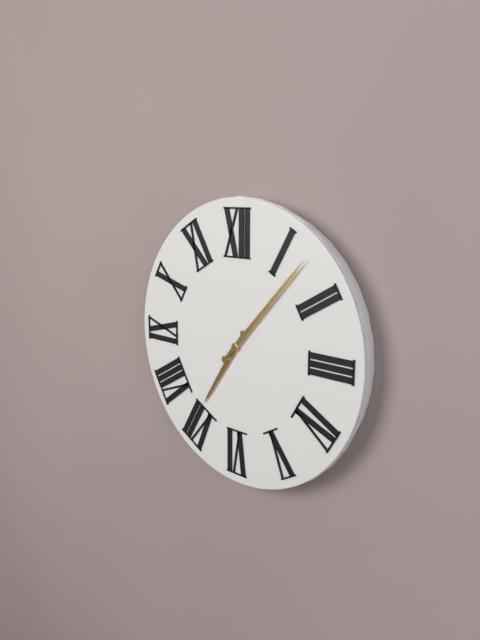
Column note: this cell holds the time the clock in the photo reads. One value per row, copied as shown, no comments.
7:07
